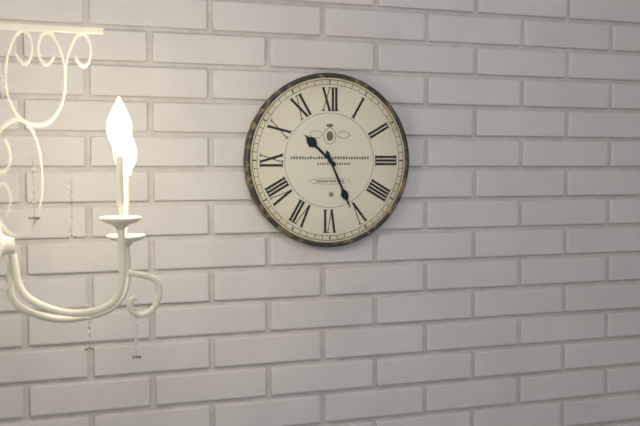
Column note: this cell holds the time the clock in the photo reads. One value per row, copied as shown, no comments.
10:26
